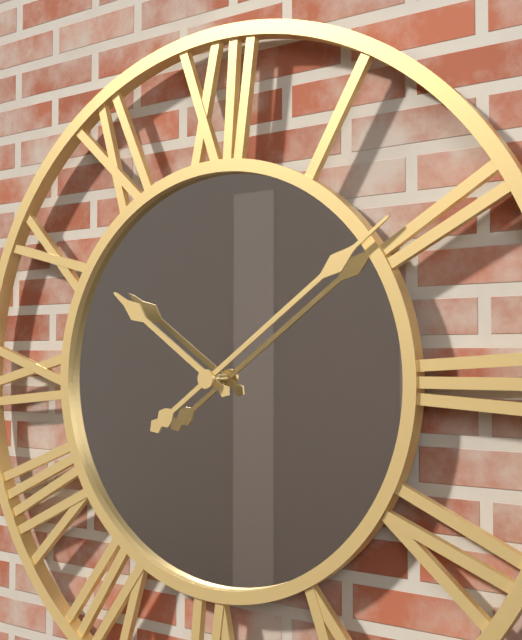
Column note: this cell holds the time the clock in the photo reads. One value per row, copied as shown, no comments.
10:09
